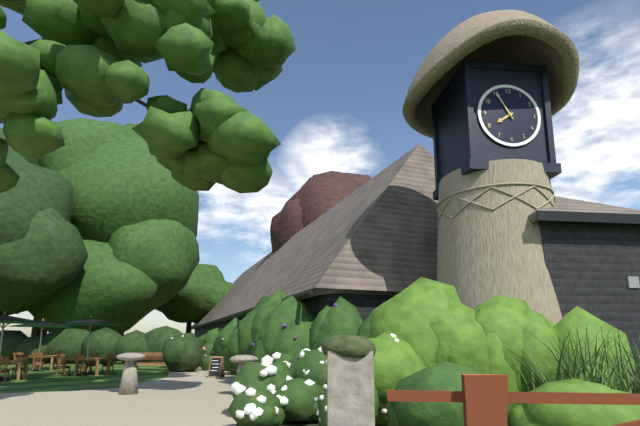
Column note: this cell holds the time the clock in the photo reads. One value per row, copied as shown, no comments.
7:55
